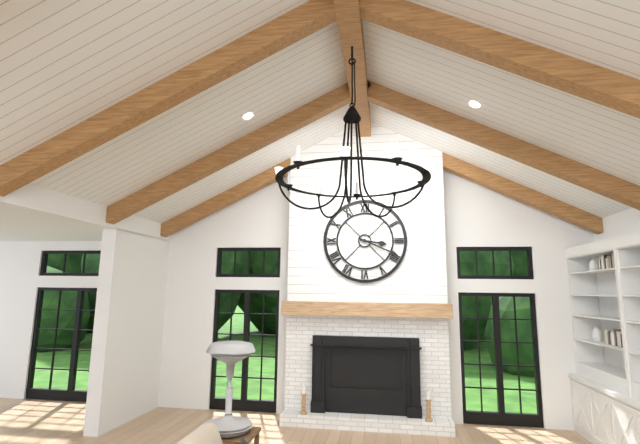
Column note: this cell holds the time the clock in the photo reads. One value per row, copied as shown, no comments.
3:19
